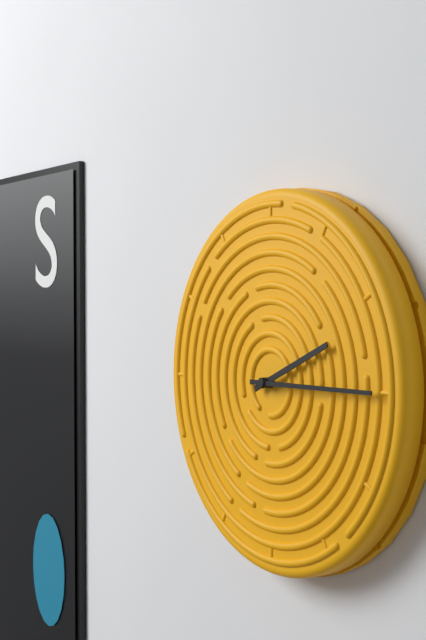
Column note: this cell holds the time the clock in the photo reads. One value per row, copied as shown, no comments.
2:15
